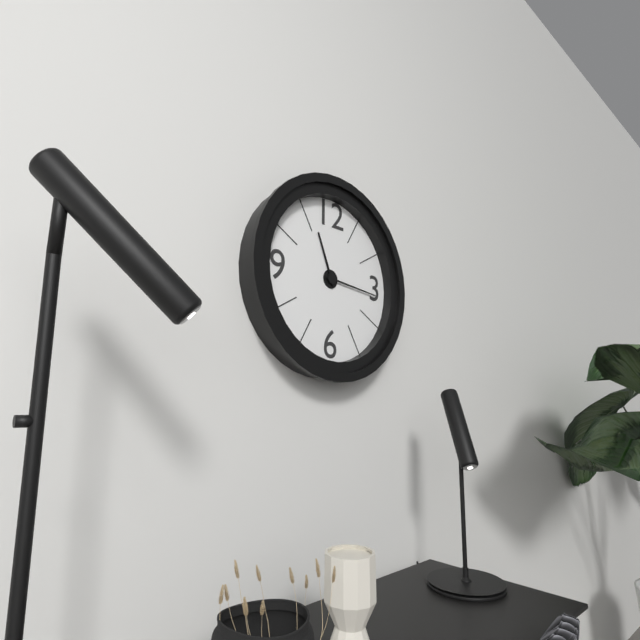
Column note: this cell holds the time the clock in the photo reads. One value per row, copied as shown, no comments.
11:16
